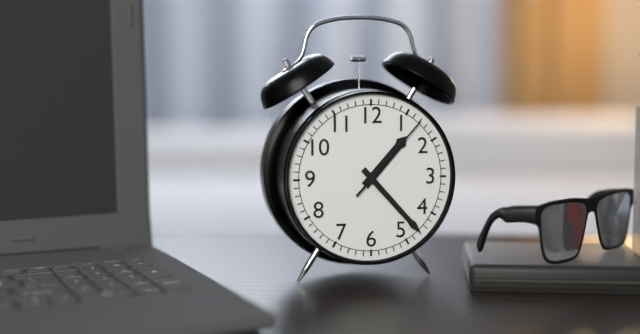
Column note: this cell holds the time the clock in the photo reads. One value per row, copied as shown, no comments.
1:23:07
